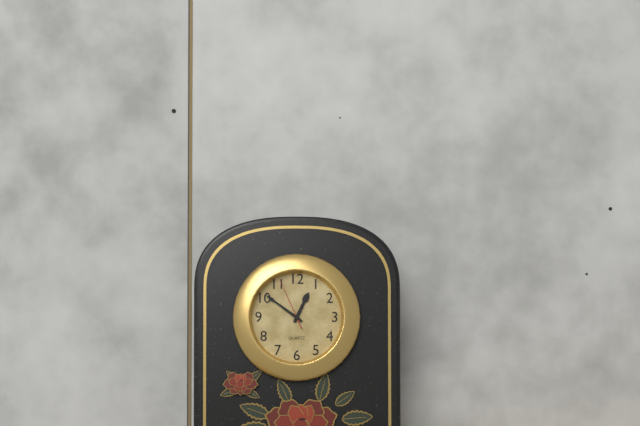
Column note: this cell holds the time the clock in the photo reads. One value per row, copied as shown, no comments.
12:51:56
